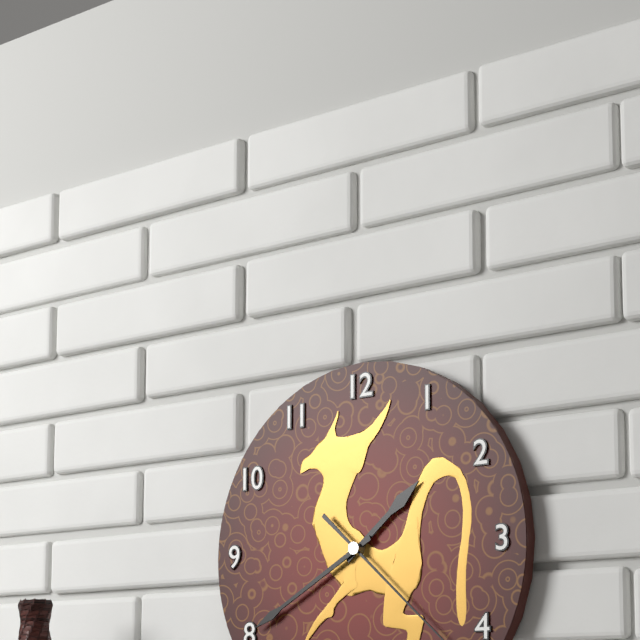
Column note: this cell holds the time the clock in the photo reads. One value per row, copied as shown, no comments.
1:40
